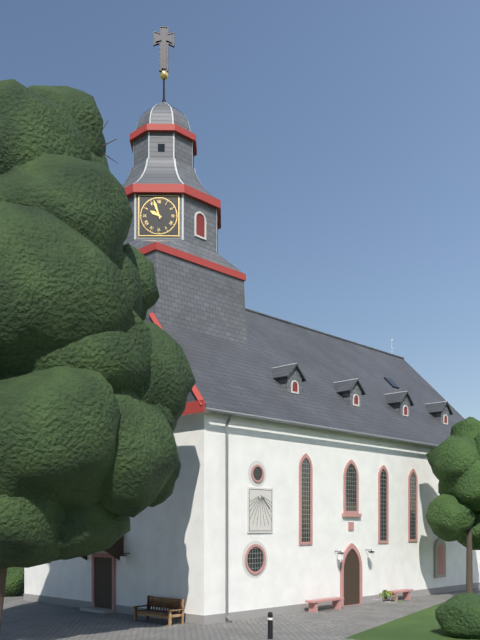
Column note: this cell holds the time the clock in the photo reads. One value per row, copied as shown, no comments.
9:57
